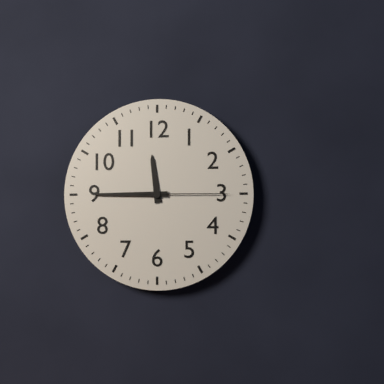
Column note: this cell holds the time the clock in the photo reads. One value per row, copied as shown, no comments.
11:45:15
